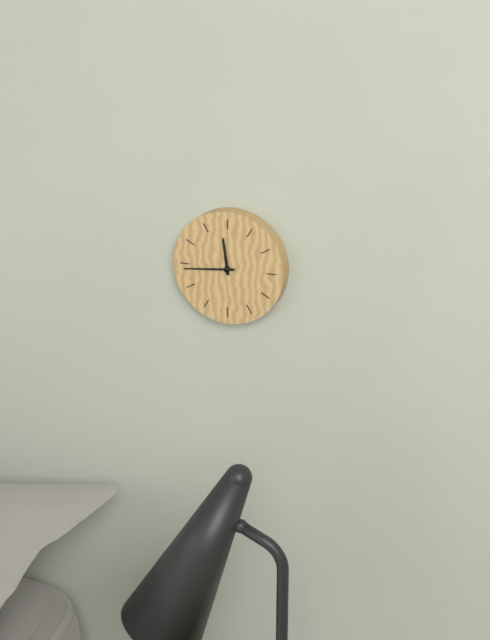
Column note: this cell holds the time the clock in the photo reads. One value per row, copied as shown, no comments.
11:44
